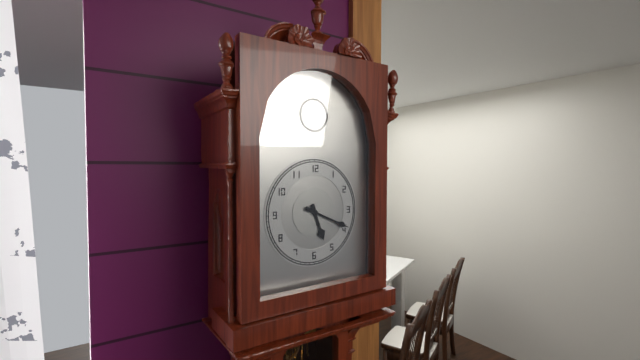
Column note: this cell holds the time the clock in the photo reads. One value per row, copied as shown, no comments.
5:19
